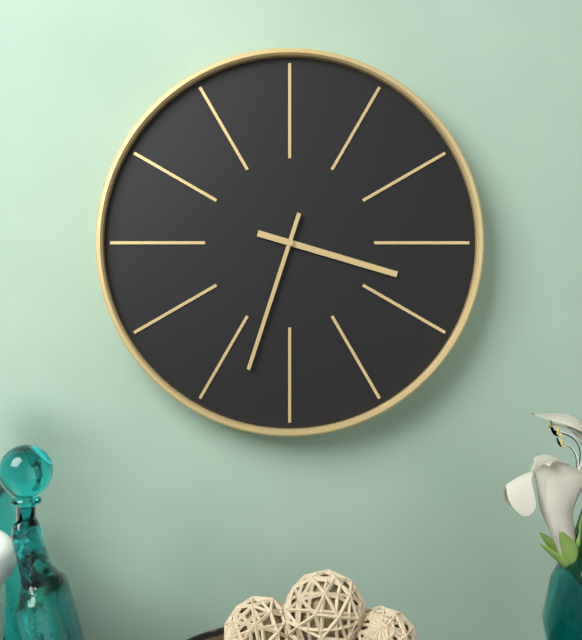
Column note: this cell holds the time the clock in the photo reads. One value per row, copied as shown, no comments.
3:33
